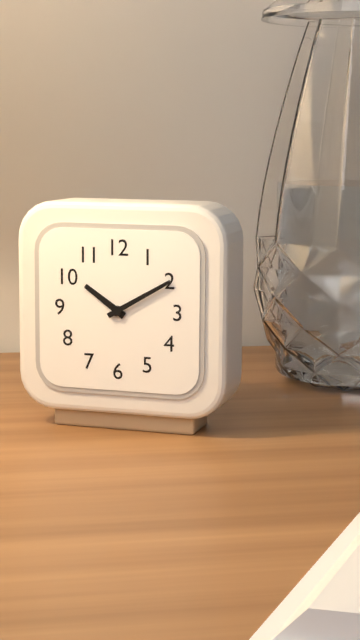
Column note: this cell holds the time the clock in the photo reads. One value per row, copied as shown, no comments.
10:10
